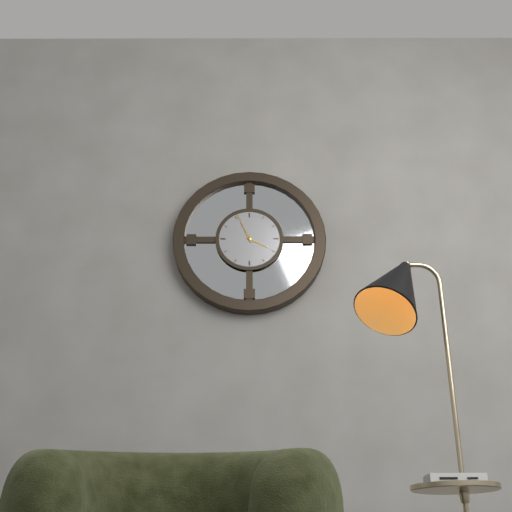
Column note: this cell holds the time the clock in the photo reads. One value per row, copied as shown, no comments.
3:56
